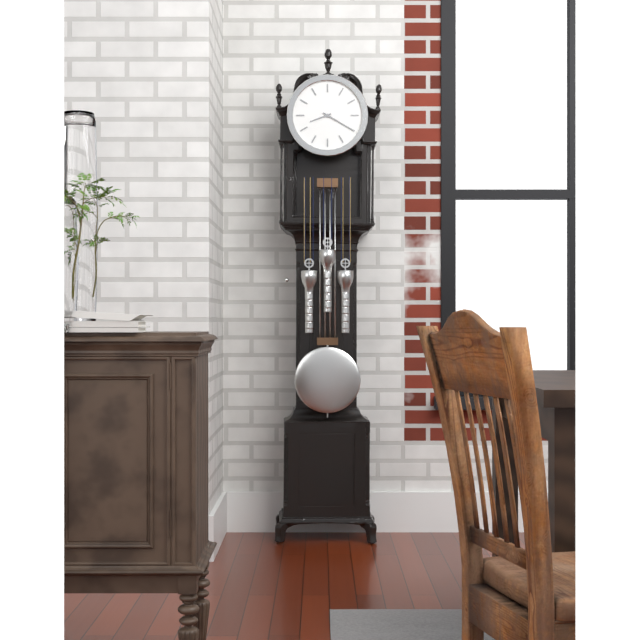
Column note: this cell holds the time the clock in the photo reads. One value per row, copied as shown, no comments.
8:20
